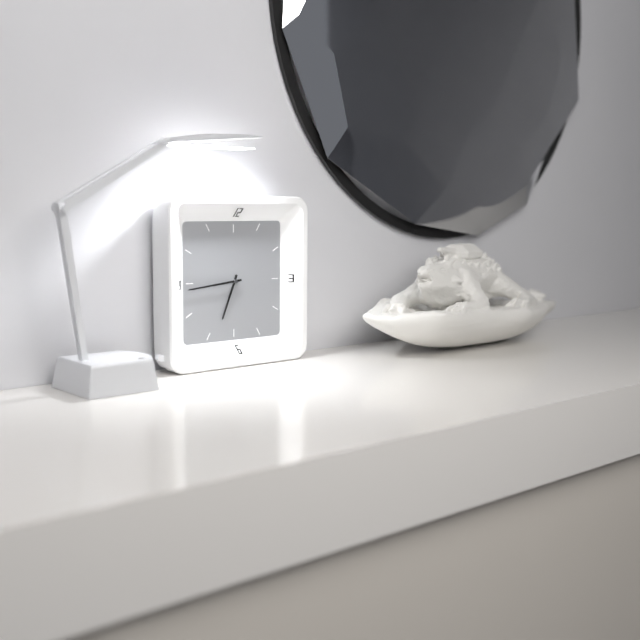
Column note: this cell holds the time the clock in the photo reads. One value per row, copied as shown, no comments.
6:44
